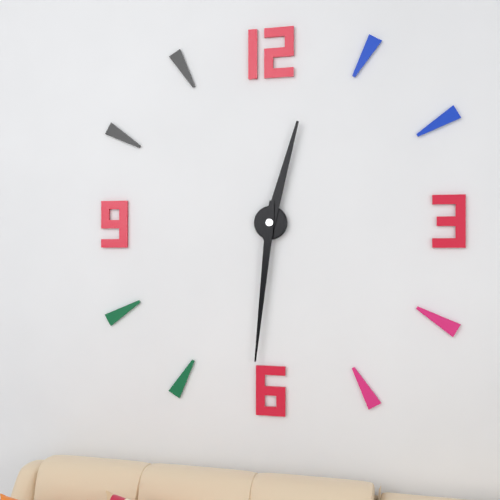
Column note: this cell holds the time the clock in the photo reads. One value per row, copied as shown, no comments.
12:31
